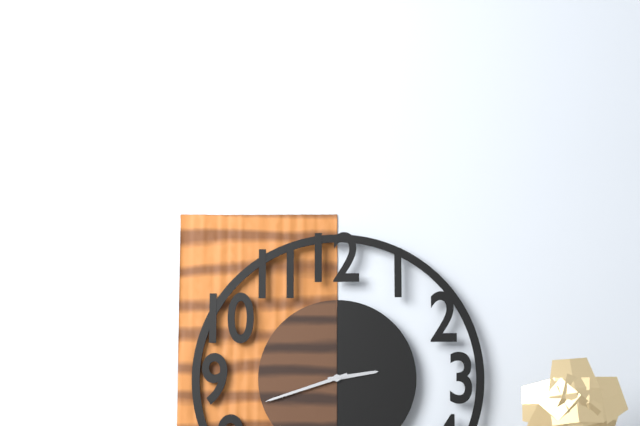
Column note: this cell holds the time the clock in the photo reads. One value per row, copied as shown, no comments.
2:42
